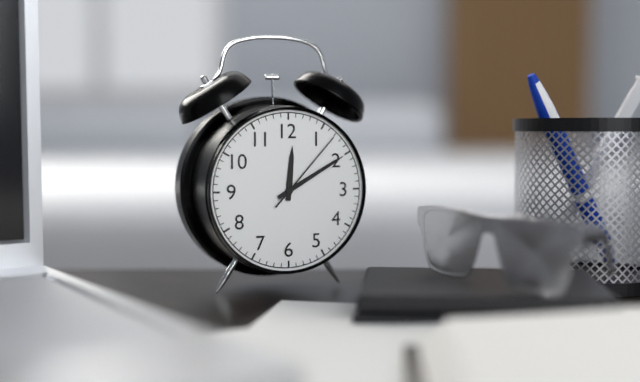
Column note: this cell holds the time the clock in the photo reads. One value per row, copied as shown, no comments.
12:10:07
